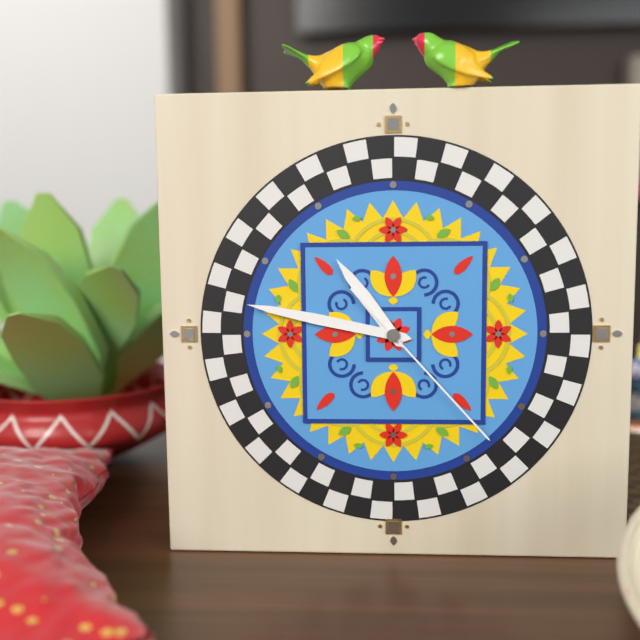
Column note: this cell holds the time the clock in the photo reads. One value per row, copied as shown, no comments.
10:47:23
